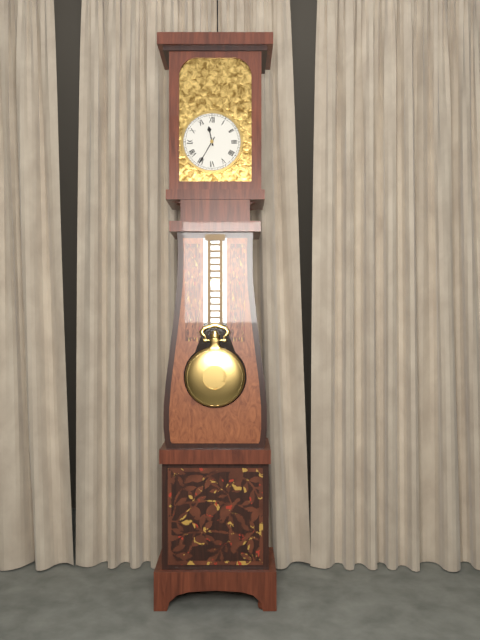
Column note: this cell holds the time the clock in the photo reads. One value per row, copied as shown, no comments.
11:35
